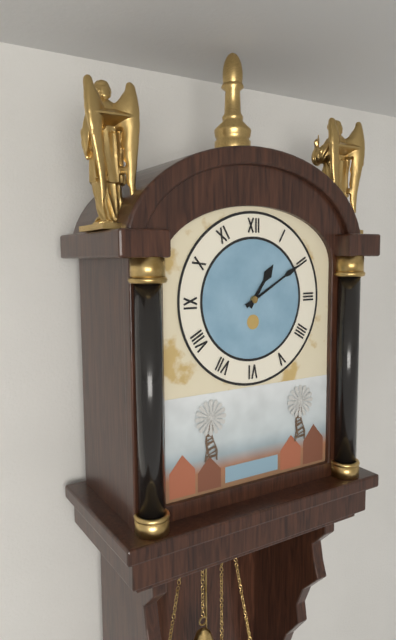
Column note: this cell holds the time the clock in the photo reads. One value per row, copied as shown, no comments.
1:10
